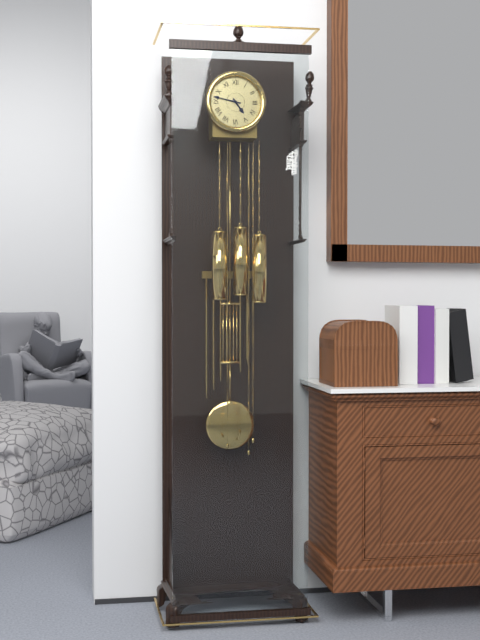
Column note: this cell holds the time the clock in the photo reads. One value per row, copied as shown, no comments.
4:47
